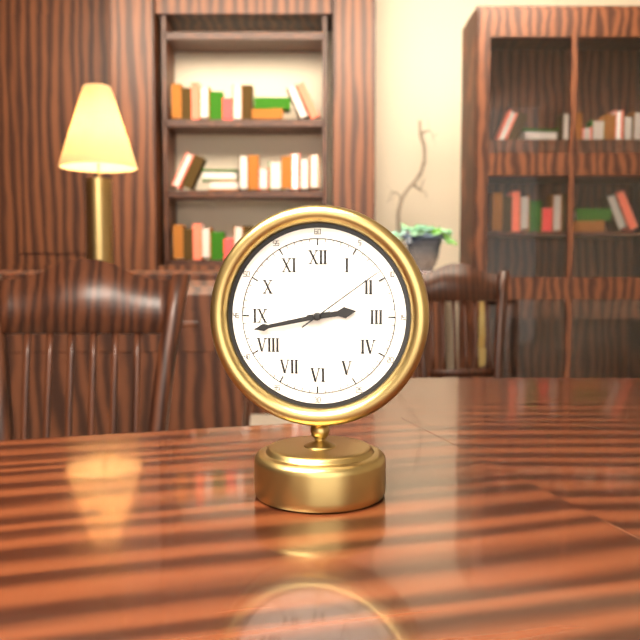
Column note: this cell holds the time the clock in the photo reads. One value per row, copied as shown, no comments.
2:43:09
